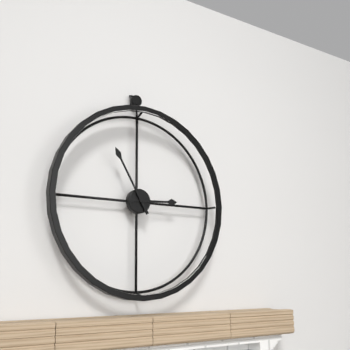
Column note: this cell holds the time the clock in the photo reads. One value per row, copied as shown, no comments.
2:55
